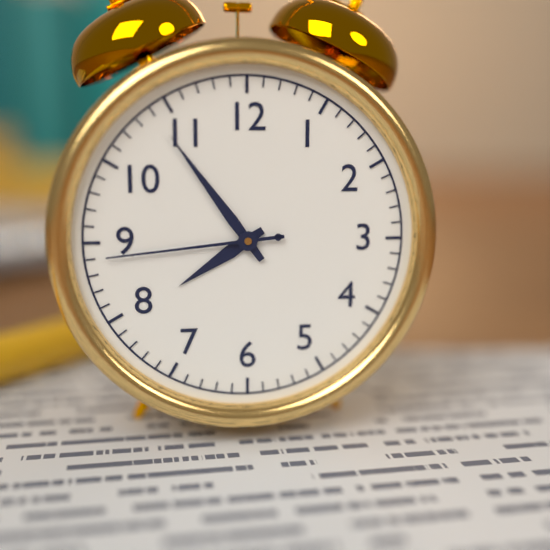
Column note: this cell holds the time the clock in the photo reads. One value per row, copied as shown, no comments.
7:54:44
